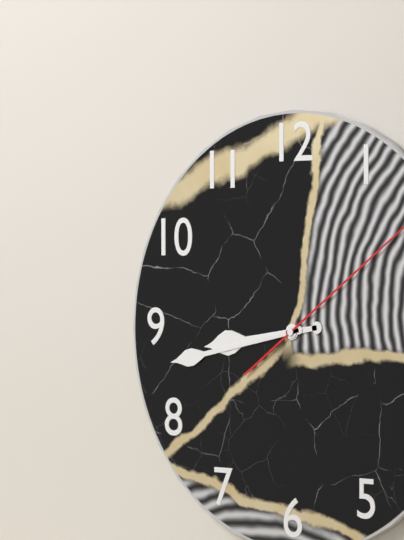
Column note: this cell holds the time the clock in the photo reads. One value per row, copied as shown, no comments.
8:43
